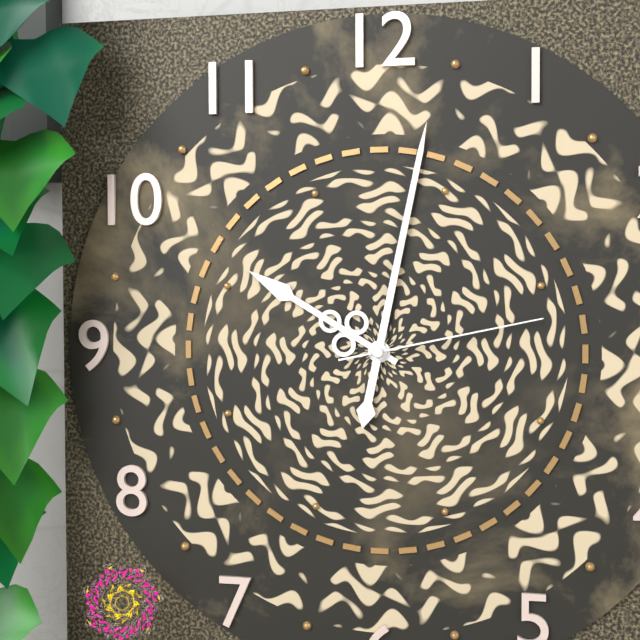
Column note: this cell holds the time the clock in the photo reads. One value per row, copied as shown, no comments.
10:02:13
